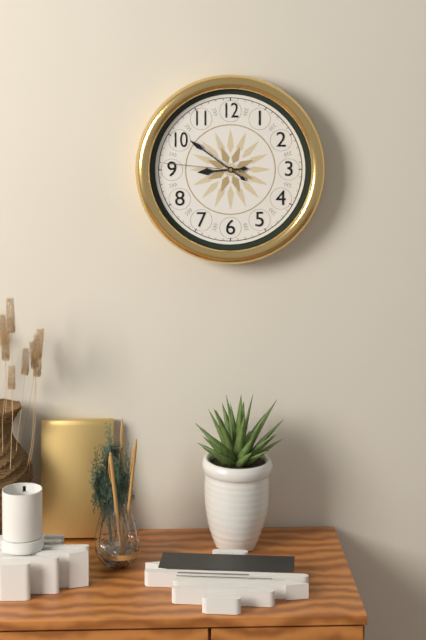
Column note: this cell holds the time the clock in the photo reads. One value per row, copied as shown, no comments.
8:51:46
